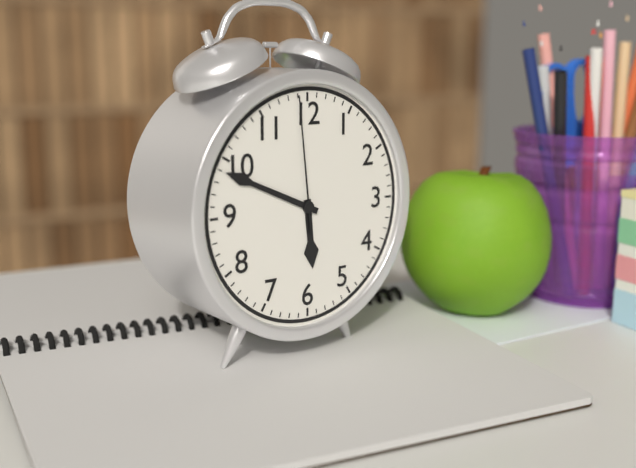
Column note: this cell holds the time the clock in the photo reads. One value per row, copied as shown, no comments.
5:49:59
